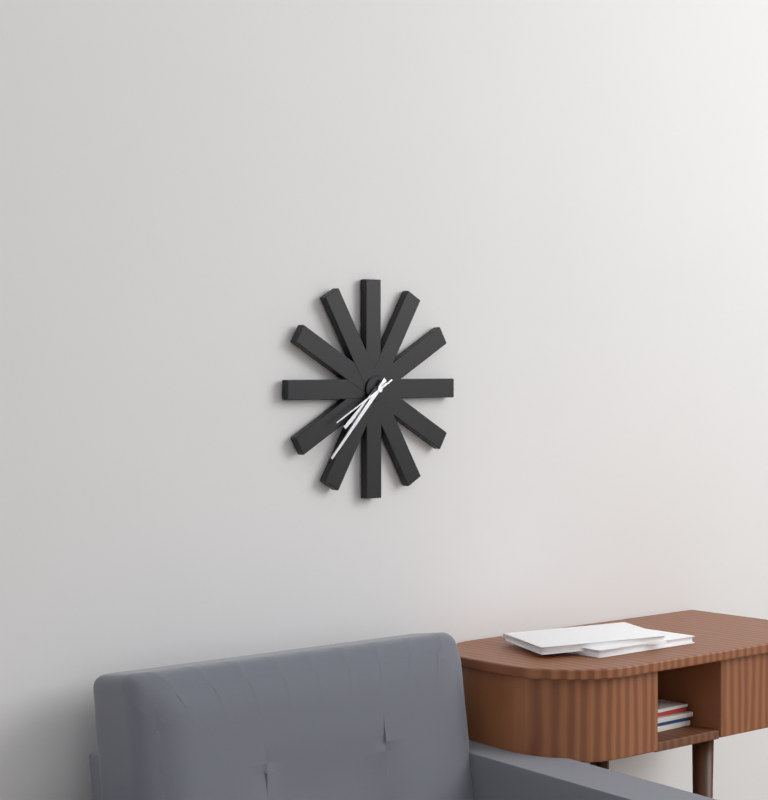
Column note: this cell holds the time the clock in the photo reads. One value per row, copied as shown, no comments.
7:37:40
